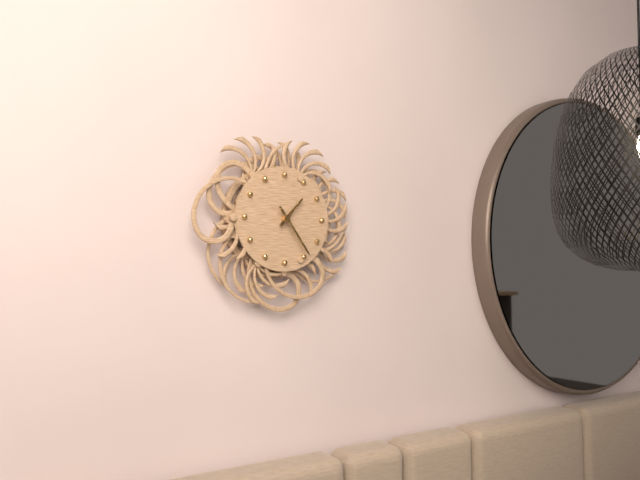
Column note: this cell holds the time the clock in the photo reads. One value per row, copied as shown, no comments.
1:24
